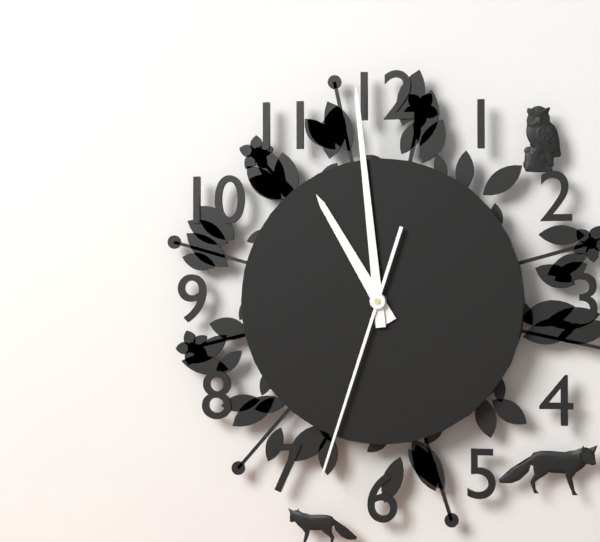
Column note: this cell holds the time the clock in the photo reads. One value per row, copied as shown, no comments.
10:59:33
